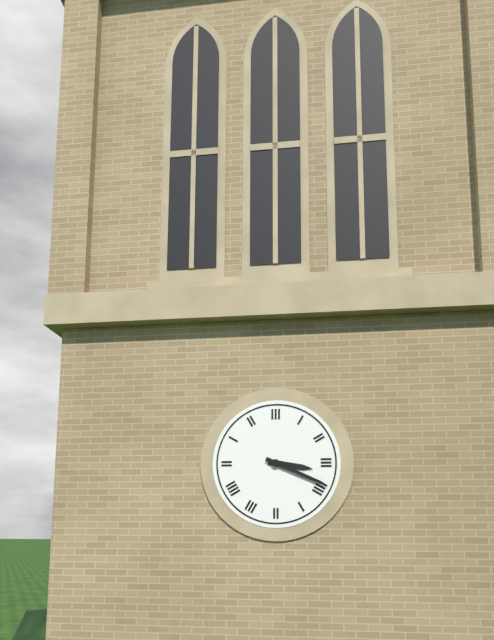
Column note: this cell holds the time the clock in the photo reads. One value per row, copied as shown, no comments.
3:19
